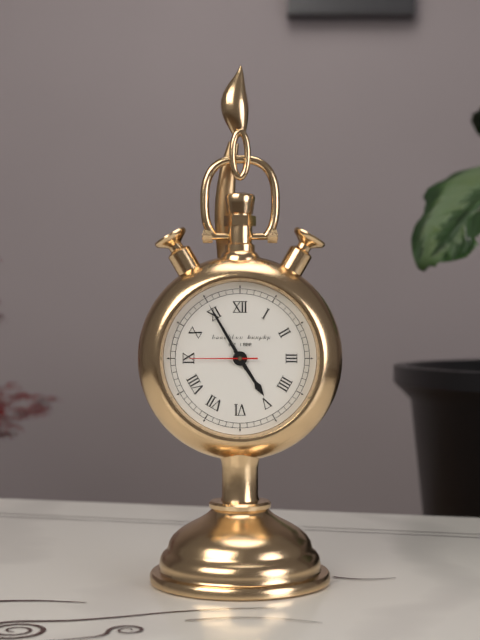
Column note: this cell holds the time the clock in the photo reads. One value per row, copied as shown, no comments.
4:55:45
